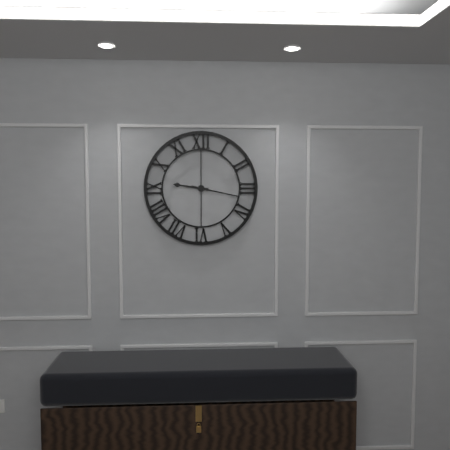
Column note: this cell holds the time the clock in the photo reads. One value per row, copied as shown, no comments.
9:17
